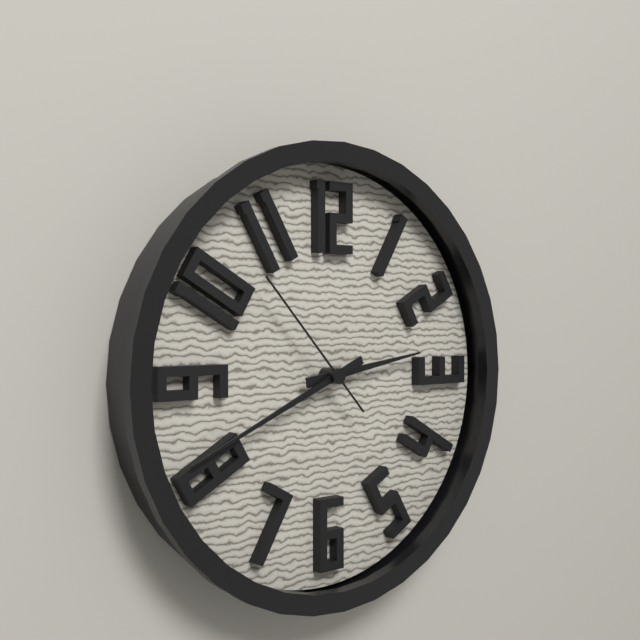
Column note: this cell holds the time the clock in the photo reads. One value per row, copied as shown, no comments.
2:41:53
